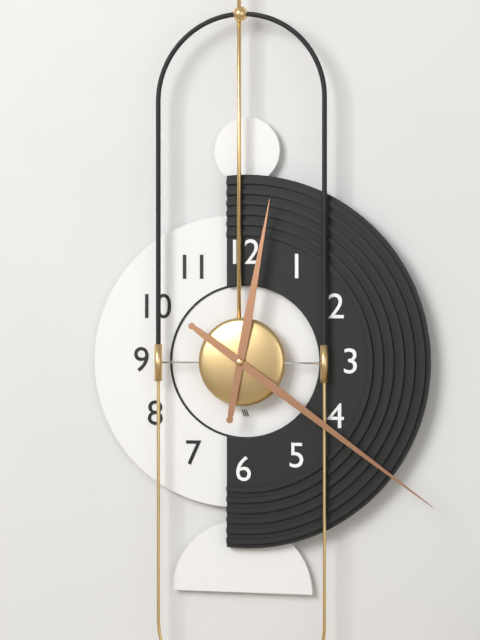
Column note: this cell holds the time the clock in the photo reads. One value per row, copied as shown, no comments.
12:21
